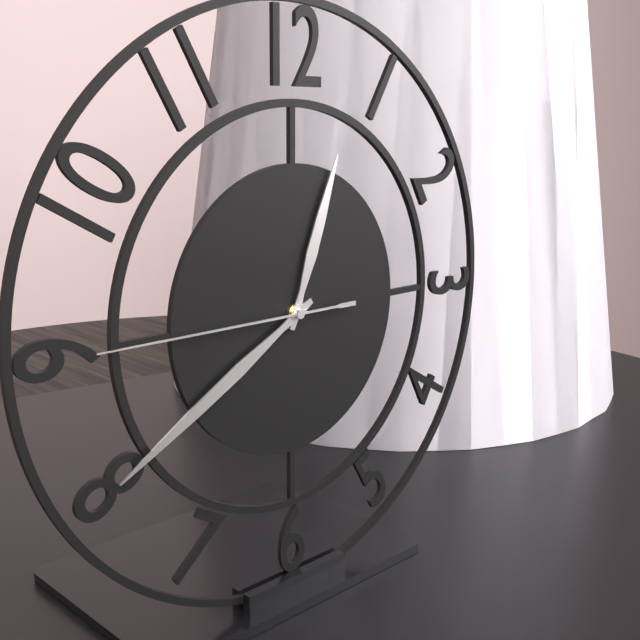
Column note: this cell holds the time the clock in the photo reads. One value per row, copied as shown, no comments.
12:40:45
